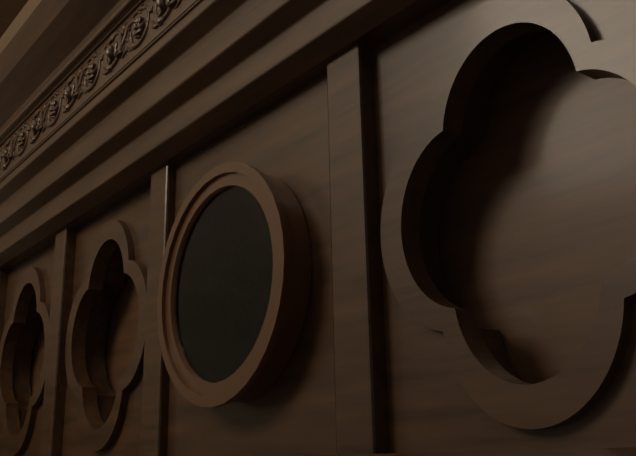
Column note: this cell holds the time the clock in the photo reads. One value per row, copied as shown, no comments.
11:33
